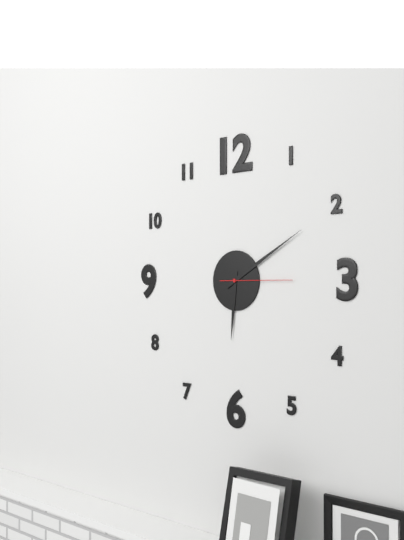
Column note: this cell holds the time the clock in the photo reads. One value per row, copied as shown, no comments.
6:10:15
